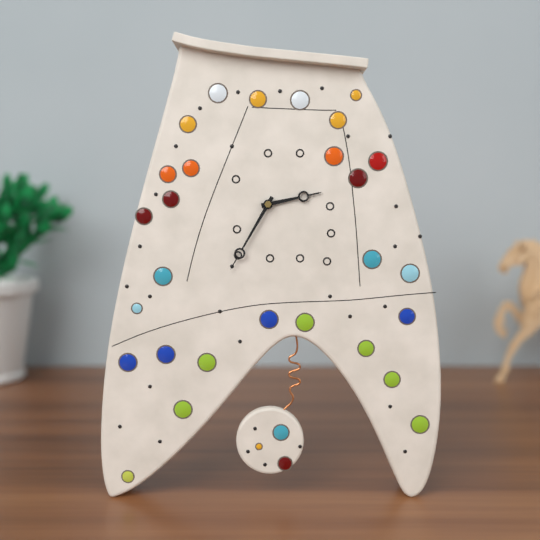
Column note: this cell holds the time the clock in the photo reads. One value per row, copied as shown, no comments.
2:35
